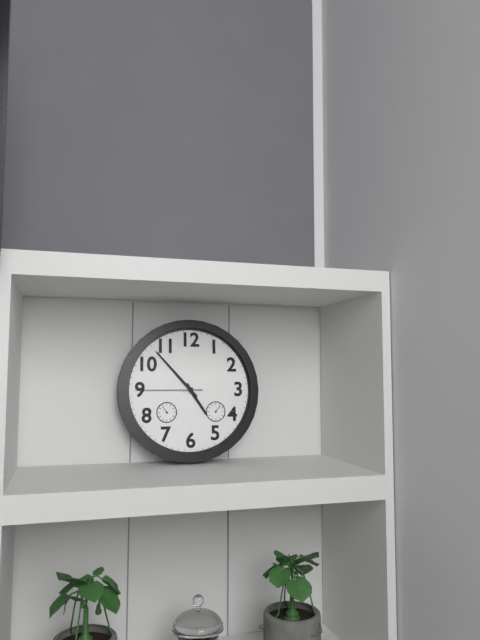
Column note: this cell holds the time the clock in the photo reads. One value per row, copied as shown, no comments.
4:53:45
